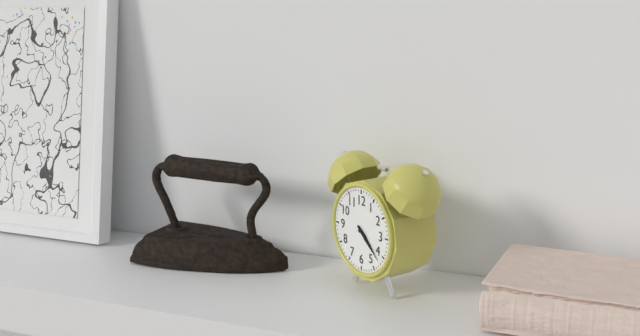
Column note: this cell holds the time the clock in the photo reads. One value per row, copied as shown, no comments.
4:22
